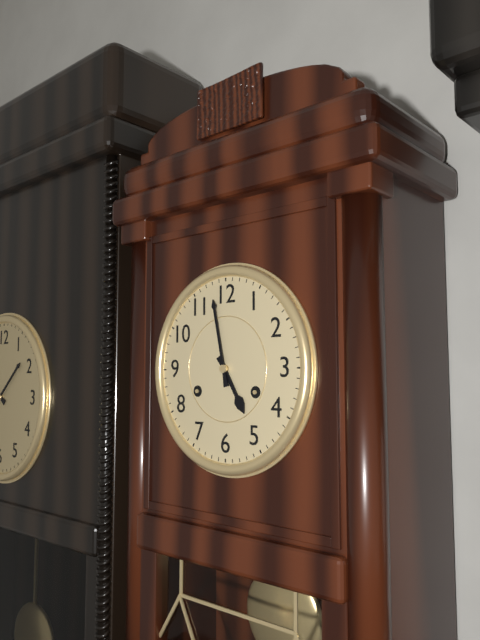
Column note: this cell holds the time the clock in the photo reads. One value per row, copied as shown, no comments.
4:58
